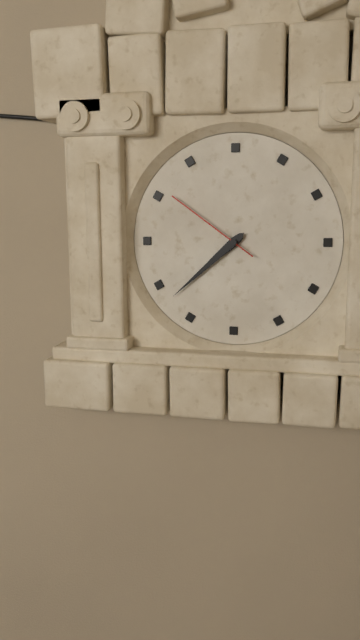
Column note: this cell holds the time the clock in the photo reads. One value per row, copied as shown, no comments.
7:38:51
